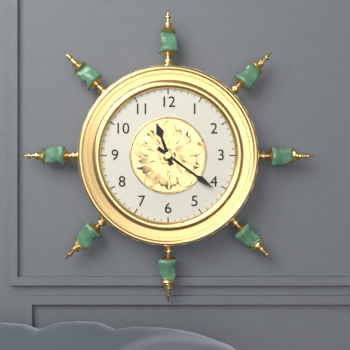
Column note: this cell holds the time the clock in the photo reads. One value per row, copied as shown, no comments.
11:21
